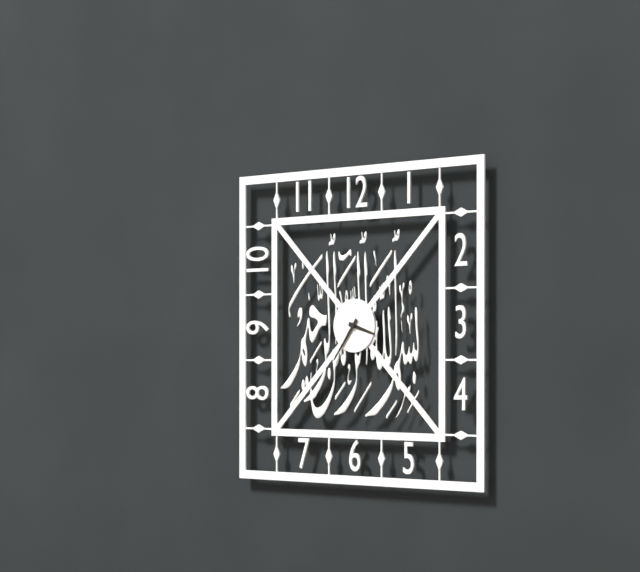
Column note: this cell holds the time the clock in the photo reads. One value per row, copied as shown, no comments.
3:36
